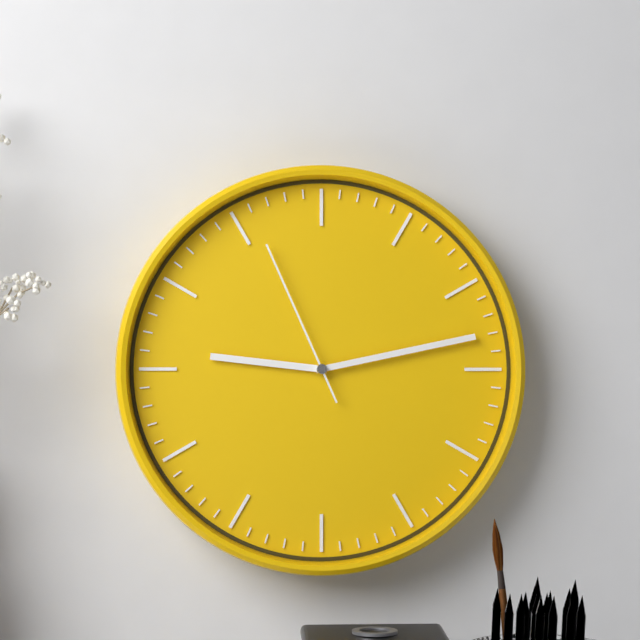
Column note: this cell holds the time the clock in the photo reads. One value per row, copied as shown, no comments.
9:13:56
